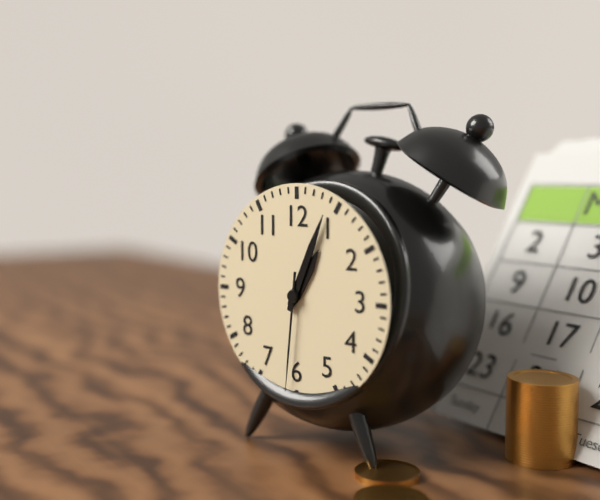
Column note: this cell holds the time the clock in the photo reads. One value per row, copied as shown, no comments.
1:04:31
